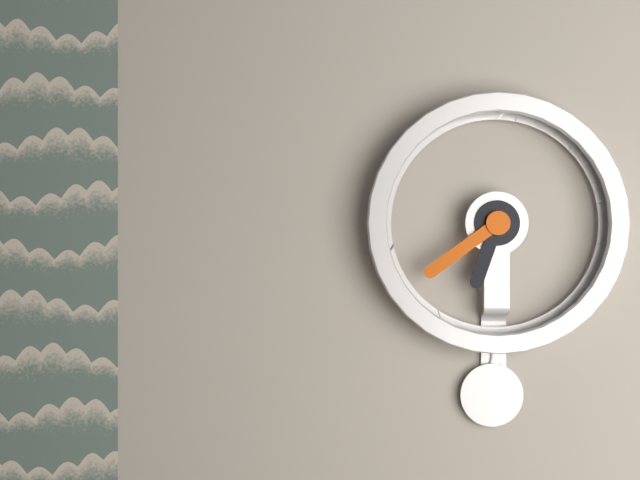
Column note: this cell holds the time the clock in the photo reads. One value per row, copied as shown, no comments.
6:39
